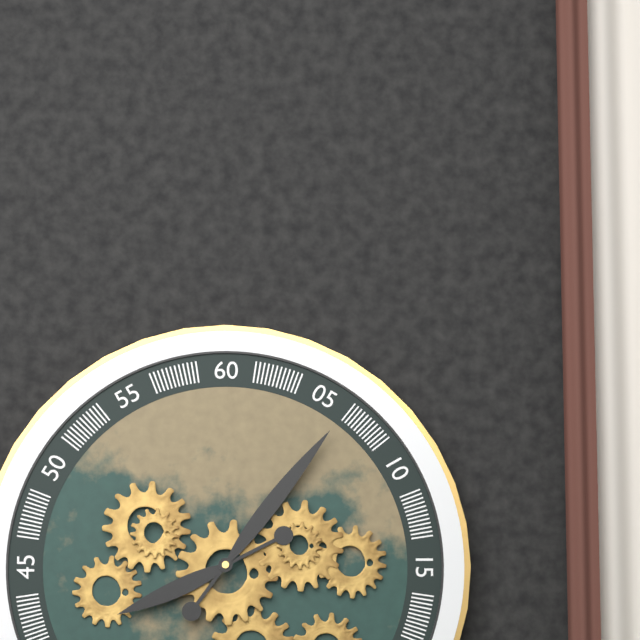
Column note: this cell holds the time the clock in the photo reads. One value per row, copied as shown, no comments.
8:06
